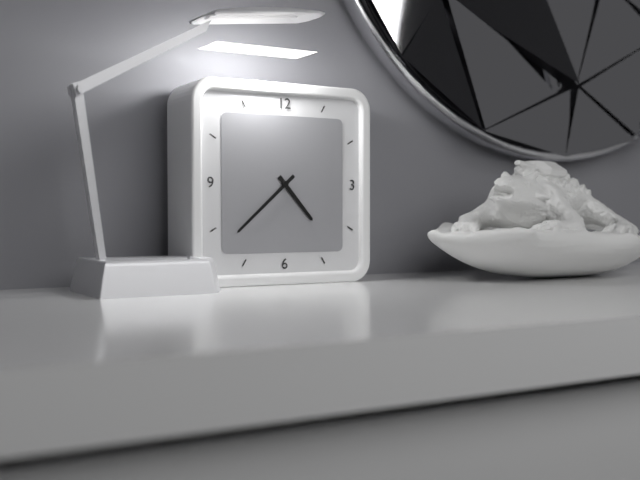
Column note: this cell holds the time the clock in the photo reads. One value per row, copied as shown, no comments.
4:38
